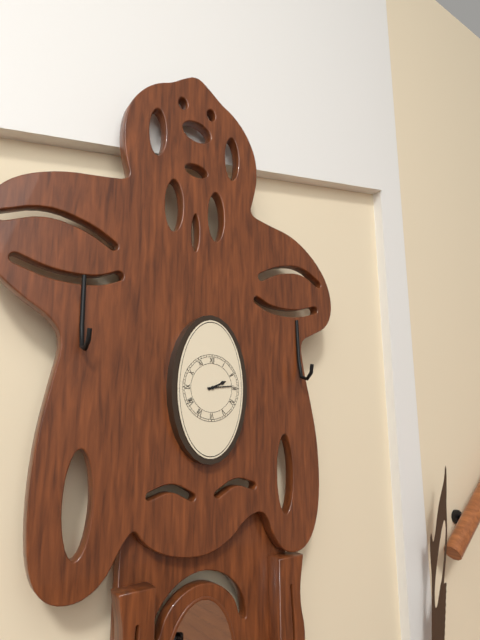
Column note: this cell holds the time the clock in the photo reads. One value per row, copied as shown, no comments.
2:14
